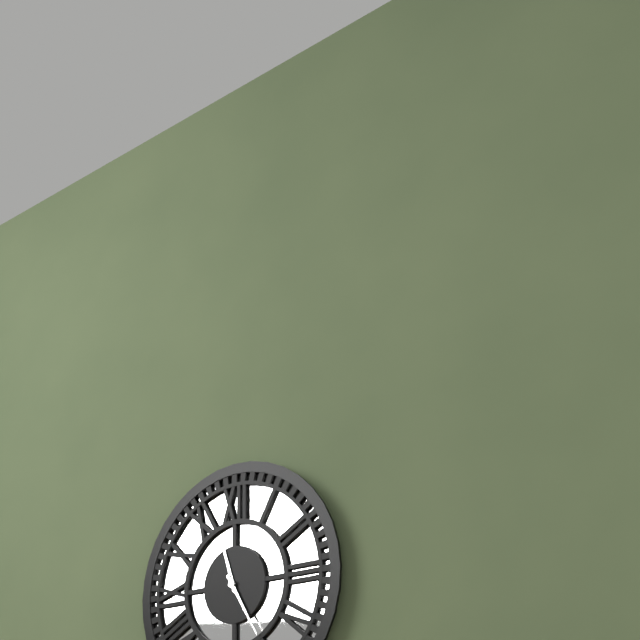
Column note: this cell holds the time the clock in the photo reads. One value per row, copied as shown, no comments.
11:25
